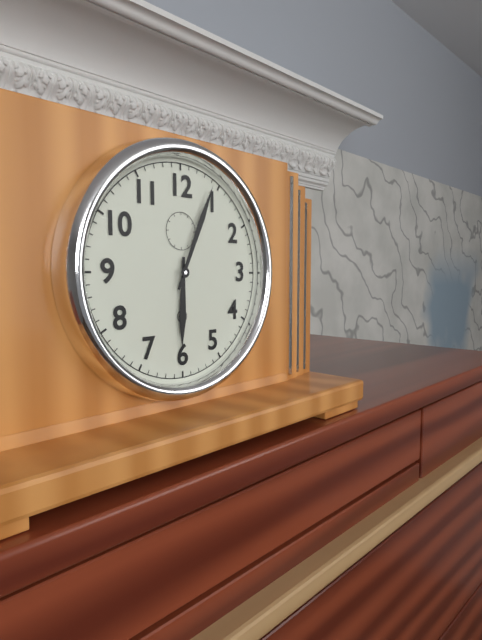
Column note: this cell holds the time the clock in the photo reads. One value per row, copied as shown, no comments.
6:04
